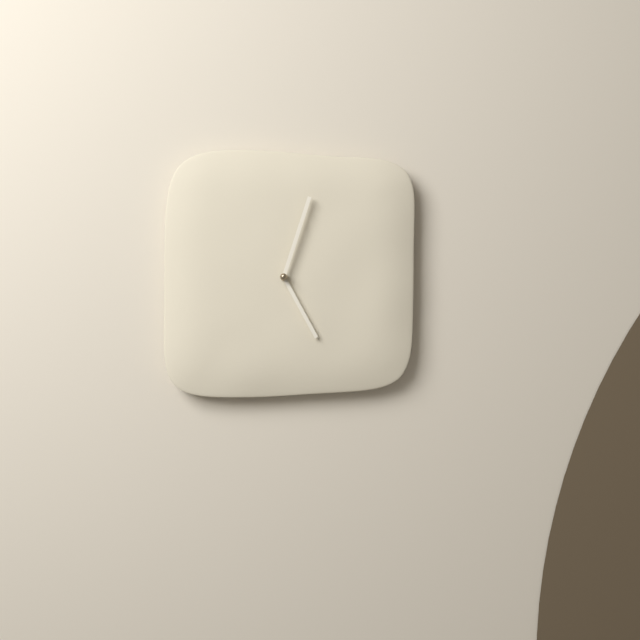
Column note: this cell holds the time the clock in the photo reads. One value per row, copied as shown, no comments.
5:03
